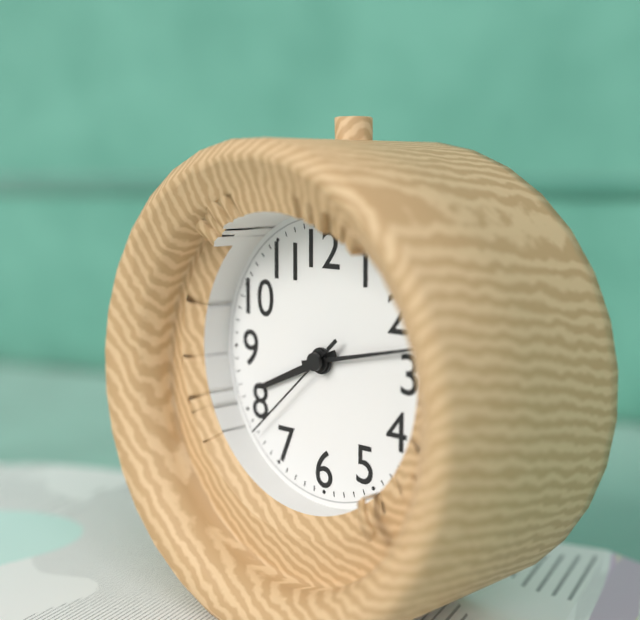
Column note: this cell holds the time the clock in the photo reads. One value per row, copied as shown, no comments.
8:13:38
